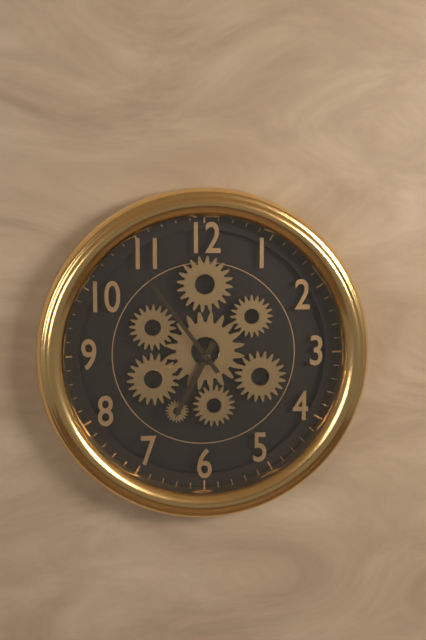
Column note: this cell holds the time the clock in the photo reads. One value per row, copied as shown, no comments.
6:54
